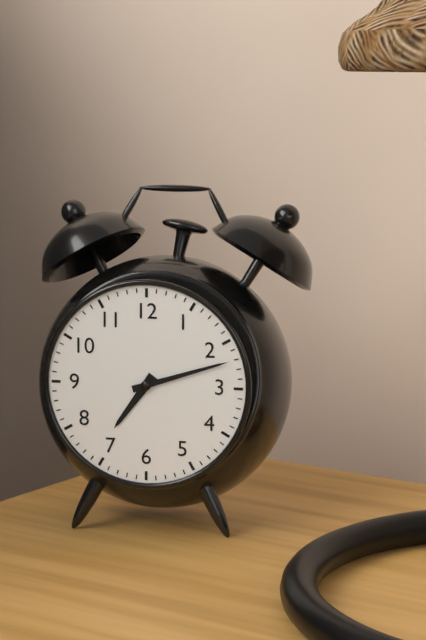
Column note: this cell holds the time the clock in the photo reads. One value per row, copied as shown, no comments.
7:12
